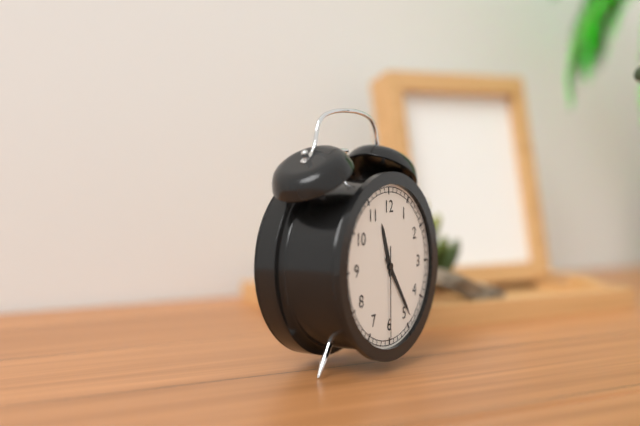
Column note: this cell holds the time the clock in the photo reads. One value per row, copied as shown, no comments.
11:24:30
